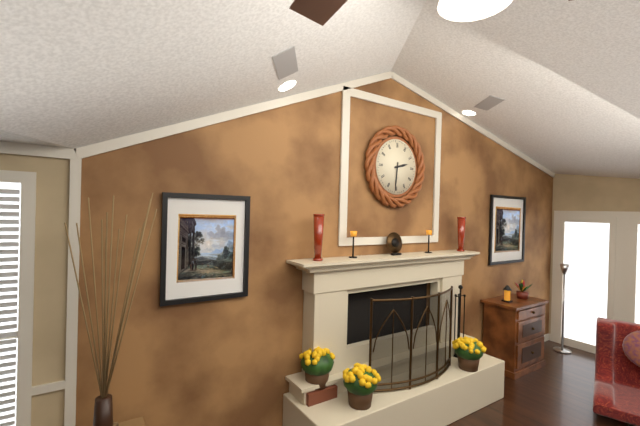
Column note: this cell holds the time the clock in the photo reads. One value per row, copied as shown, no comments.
2:31
